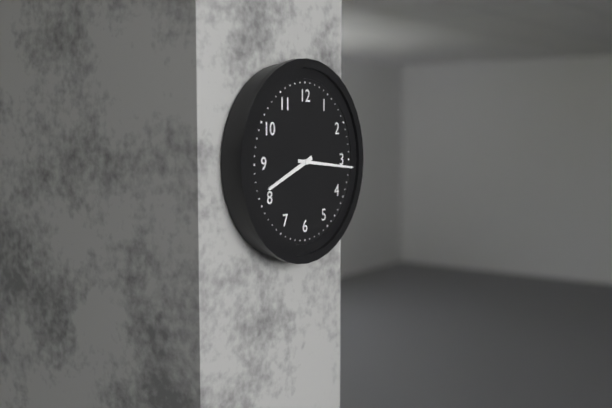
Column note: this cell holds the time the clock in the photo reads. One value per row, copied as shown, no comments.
8:16
